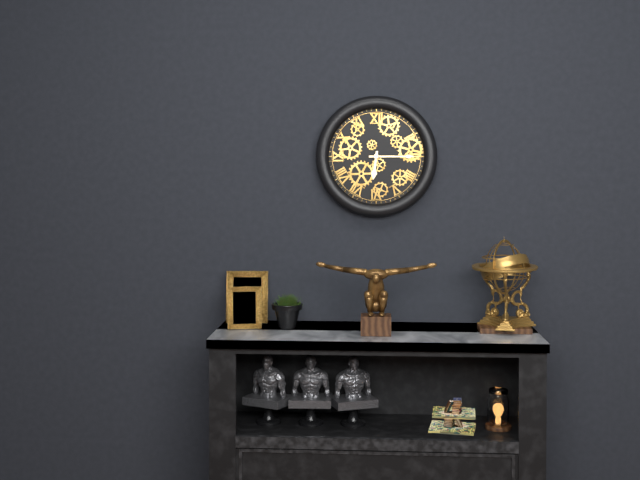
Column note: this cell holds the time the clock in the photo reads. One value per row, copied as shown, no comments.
6:15
